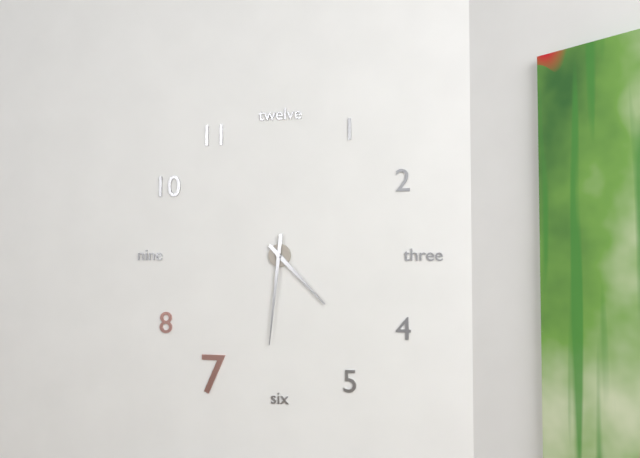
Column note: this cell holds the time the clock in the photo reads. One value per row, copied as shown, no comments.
4:31
